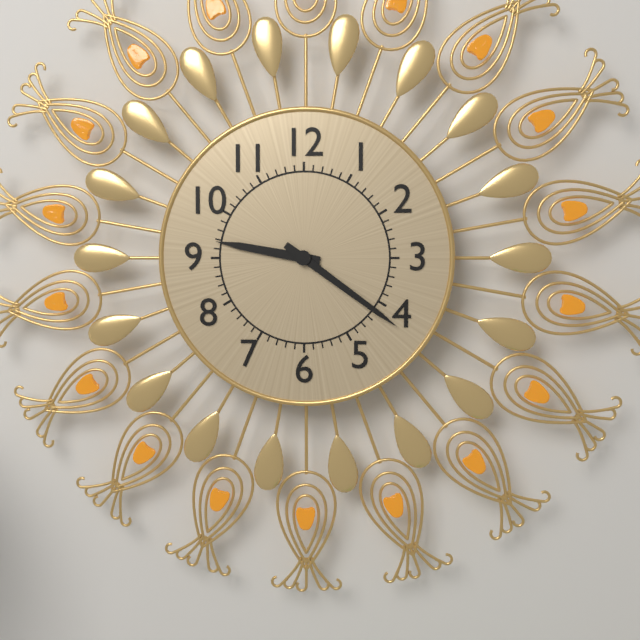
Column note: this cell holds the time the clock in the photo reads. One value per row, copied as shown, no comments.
9:21
